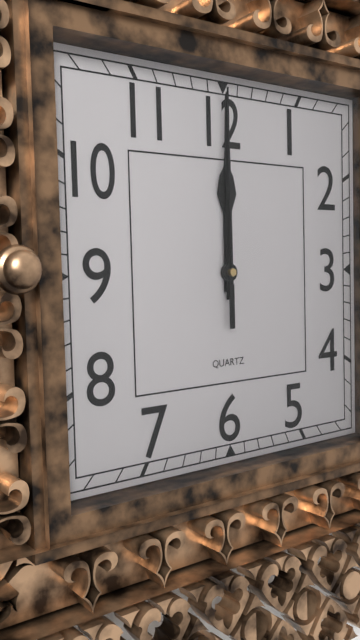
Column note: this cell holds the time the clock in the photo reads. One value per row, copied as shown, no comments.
12:00:00
